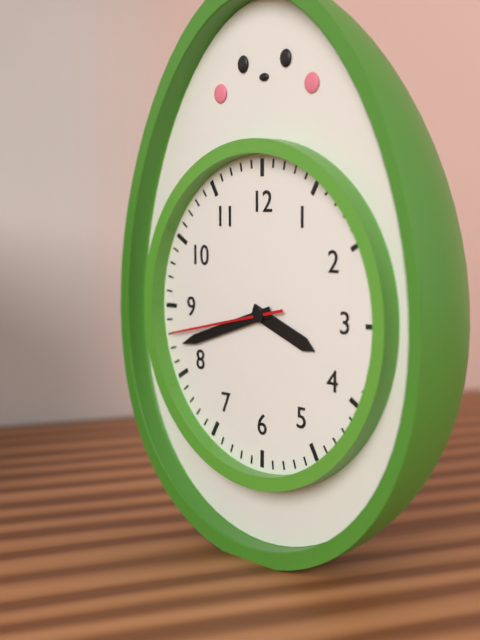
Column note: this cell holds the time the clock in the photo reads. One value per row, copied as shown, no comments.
3:42:43
